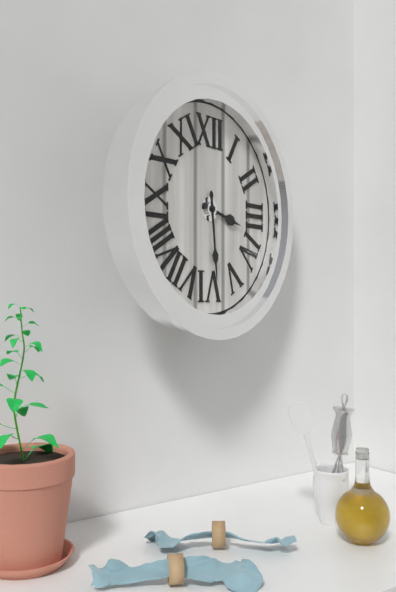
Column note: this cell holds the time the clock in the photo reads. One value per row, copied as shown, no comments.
3:29
